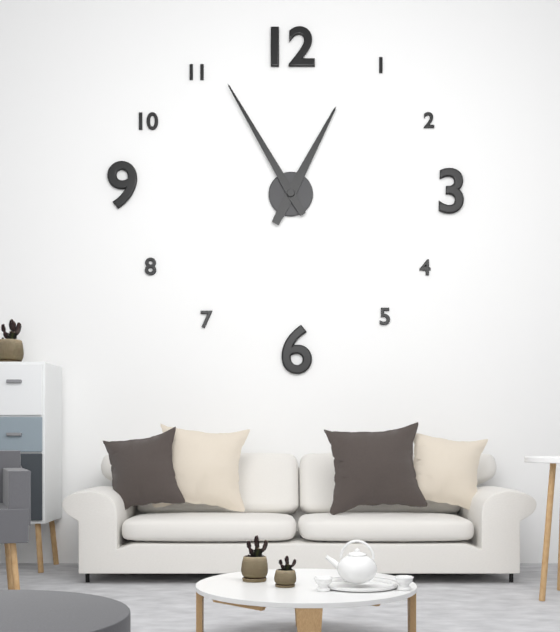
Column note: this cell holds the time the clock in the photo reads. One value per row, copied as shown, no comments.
12:55
